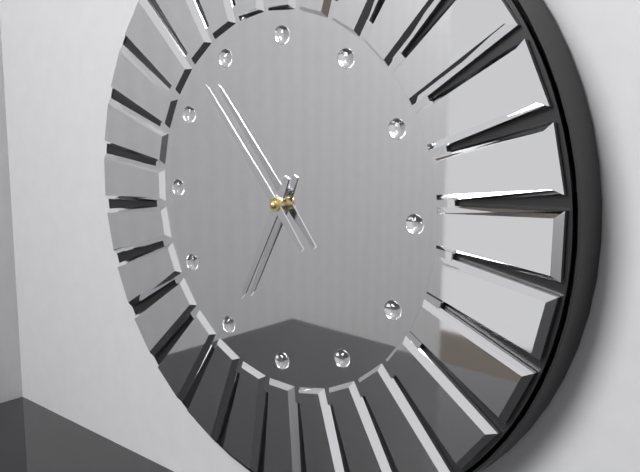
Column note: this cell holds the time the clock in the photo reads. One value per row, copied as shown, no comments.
6:53
